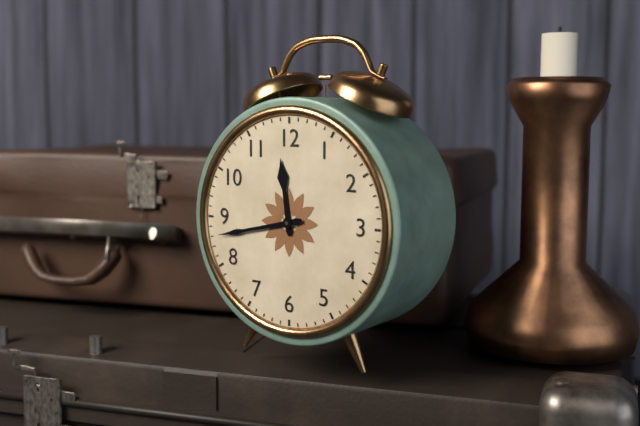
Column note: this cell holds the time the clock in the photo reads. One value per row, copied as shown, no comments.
11:43
